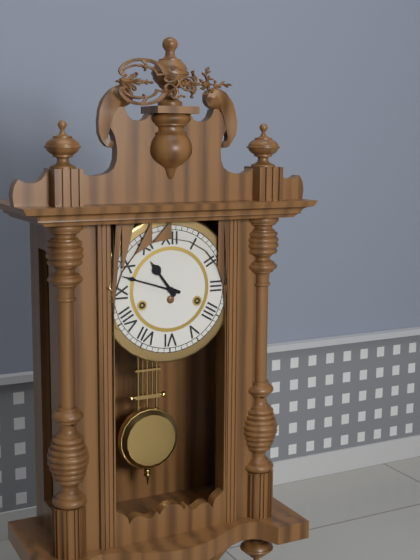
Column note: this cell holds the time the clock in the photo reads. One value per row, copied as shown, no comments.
10:48
